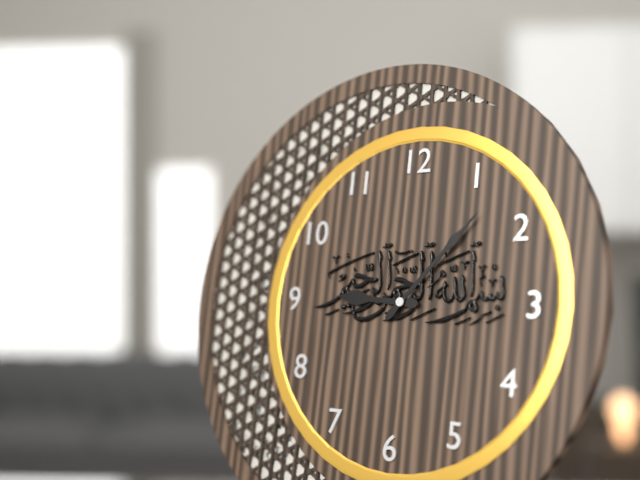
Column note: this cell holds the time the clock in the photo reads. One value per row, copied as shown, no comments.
9:07
